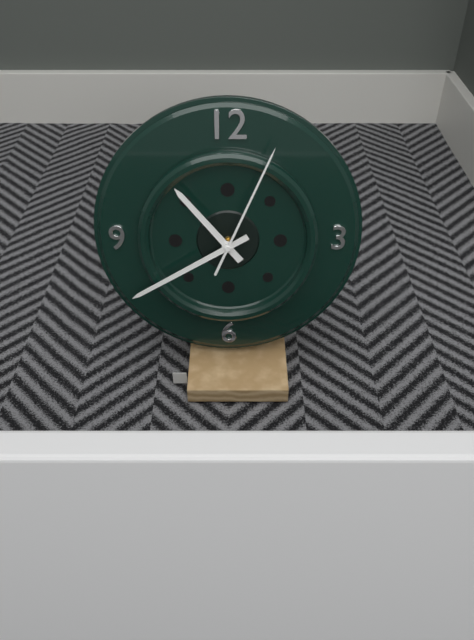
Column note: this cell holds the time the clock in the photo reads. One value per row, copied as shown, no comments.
10:40:04
